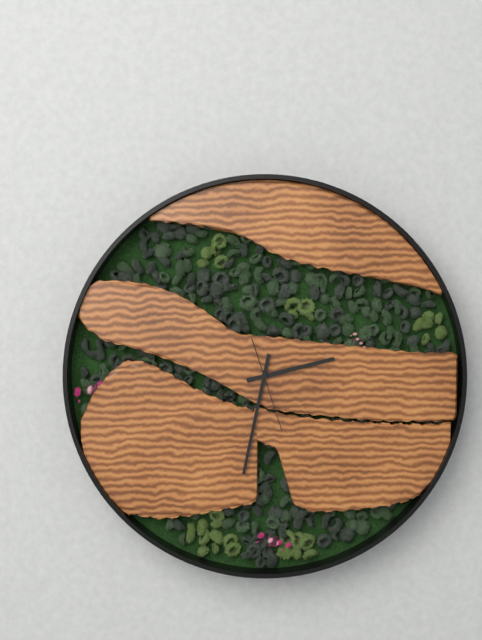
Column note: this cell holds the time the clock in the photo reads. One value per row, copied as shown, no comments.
2:32:27
